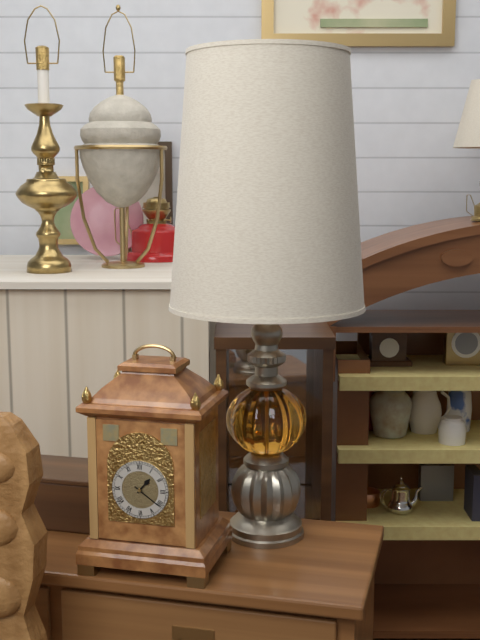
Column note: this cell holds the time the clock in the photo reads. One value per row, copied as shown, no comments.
1:21
